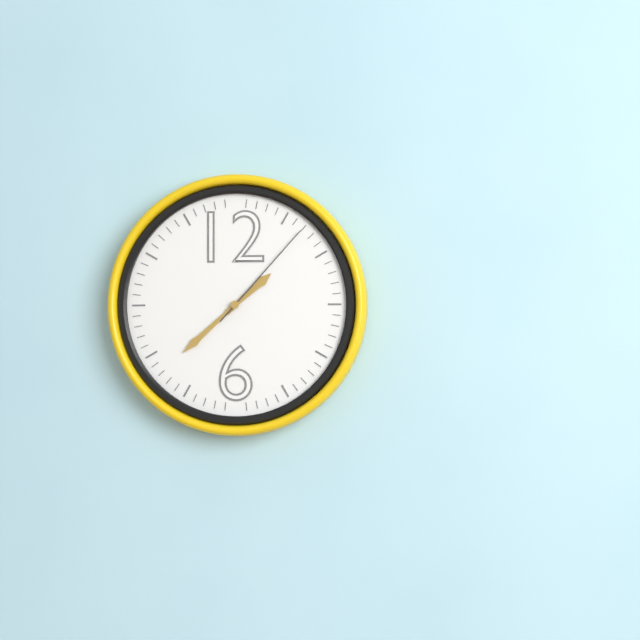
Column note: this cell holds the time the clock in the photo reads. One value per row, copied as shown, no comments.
1:38:07
